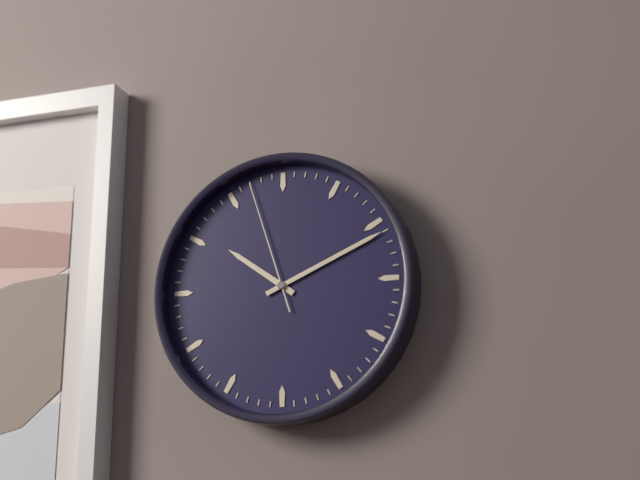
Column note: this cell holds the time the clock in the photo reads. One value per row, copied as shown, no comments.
10:11:57
